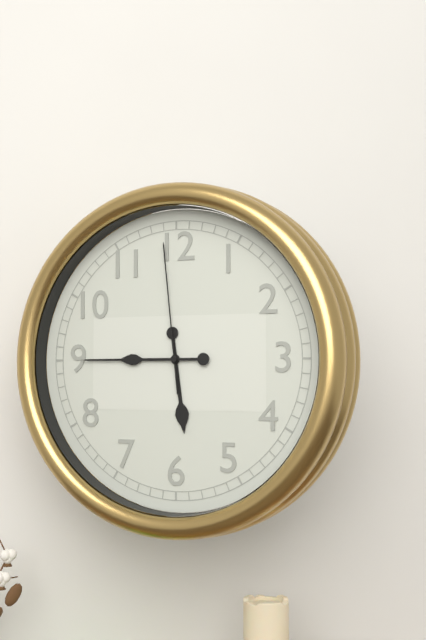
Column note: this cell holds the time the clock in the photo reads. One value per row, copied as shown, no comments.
5:45:59
